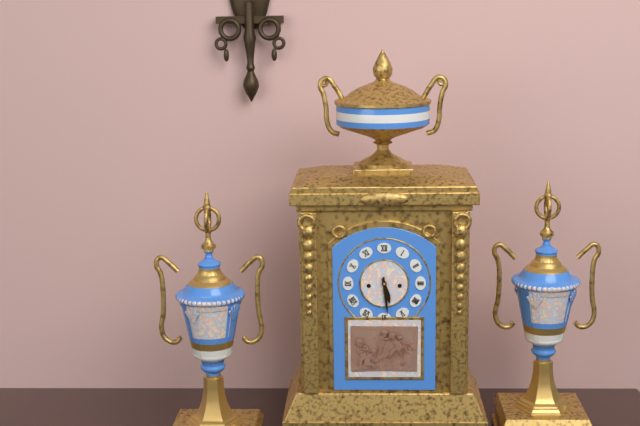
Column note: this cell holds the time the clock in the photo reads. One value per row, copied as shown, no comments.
5:29
